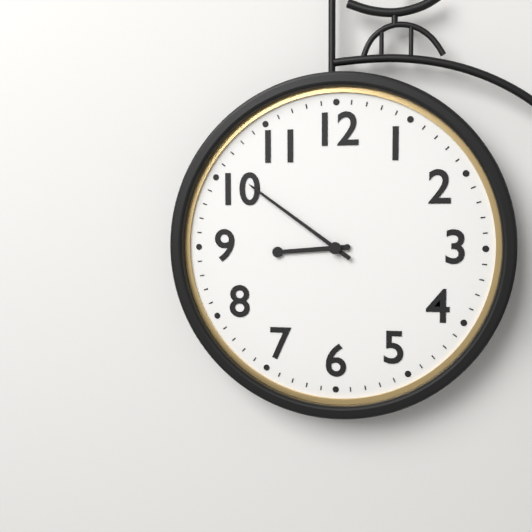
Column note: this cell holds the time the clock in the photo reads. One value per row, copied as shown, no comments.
8:51
